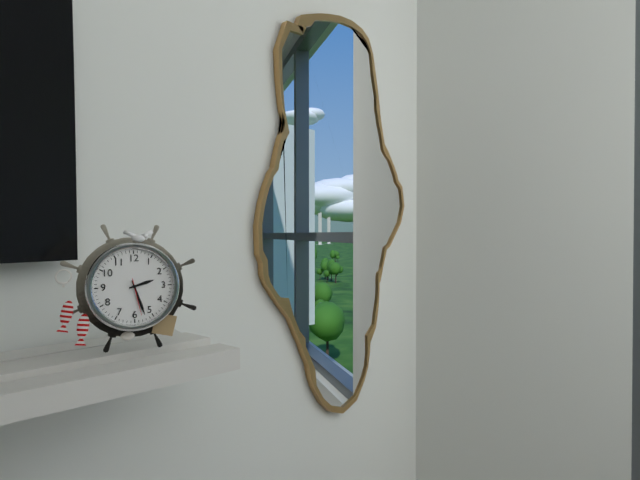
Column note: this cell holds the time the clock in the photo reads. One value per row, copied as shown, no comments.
2:27
